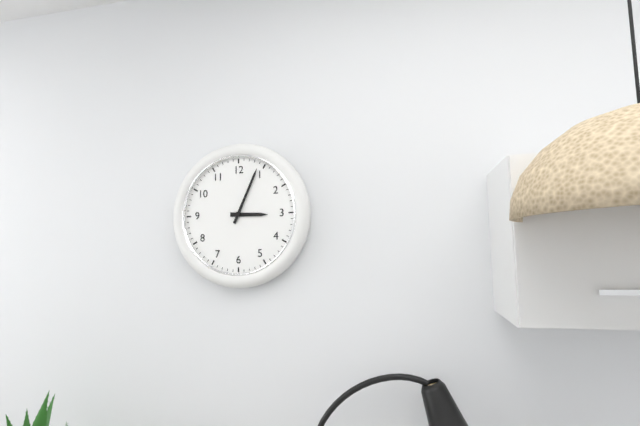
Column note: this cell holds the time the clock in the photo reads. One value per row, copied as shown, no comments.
3:04
